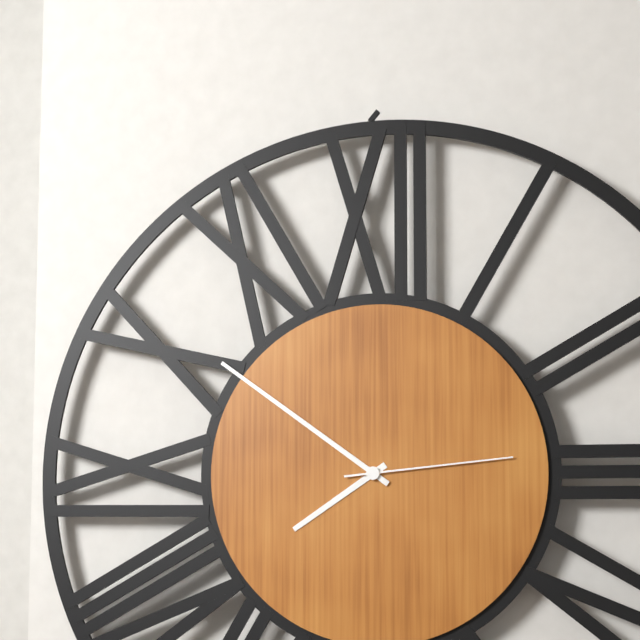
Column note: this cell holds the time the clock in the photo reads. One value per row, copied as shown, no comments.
7:51:14
